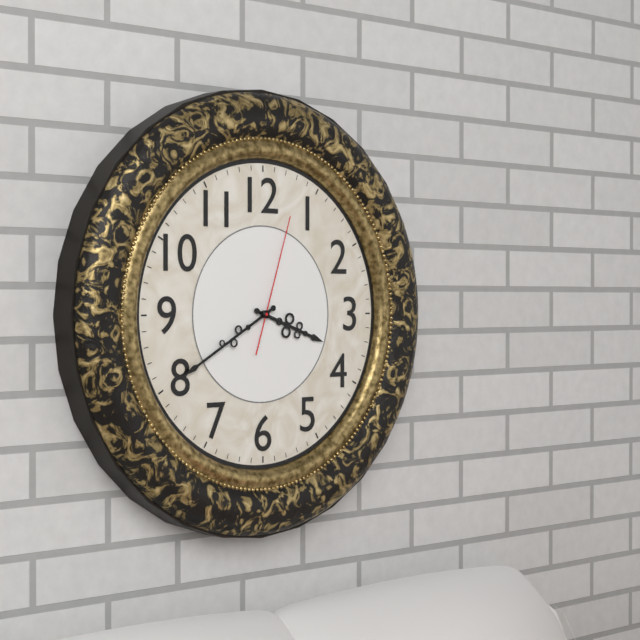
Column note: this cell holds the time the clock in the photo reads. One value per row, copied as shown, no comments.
3:40:03
